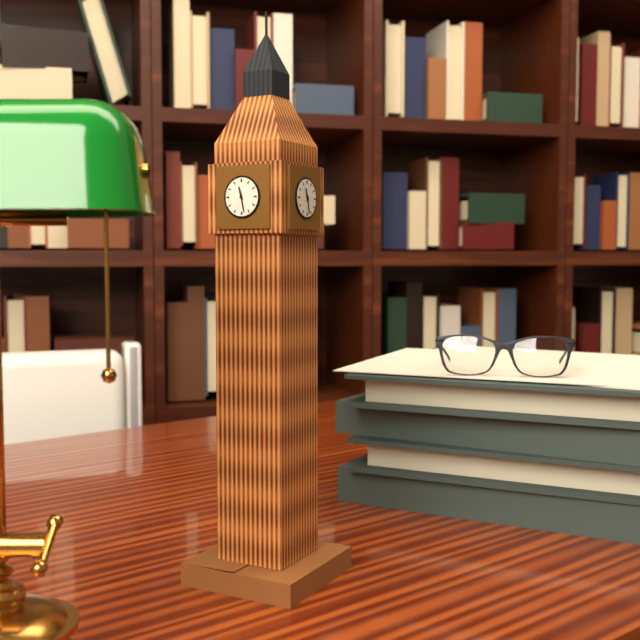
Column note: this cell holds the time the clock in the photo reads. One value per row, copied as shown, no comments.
11:28
